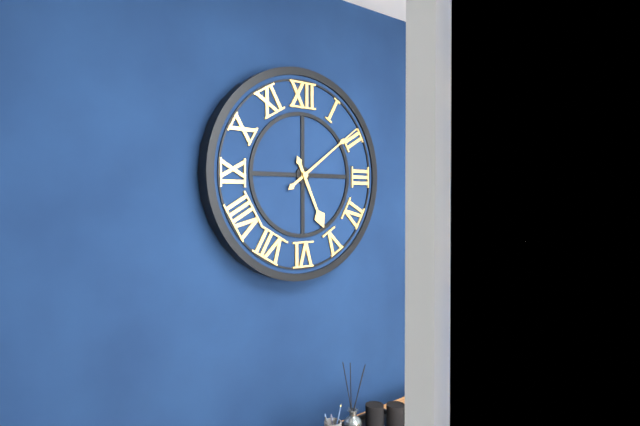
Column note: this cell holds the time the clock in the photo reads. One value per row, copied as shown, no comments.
5:09
